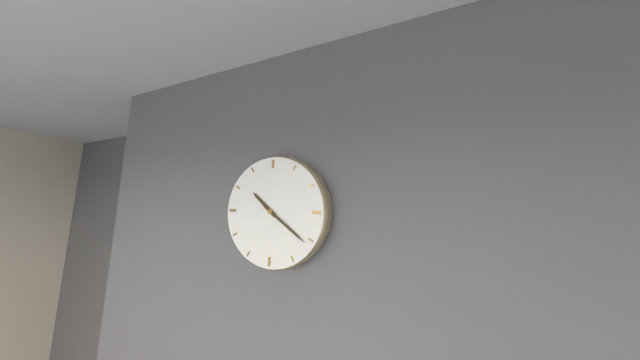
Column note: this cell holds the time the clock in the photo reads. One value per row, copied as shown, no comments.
10:21
